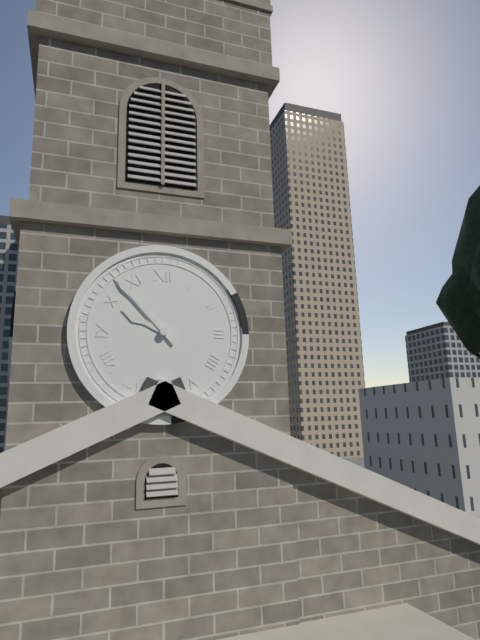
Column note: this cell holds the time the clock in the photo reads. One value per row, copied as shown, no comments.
9:53
